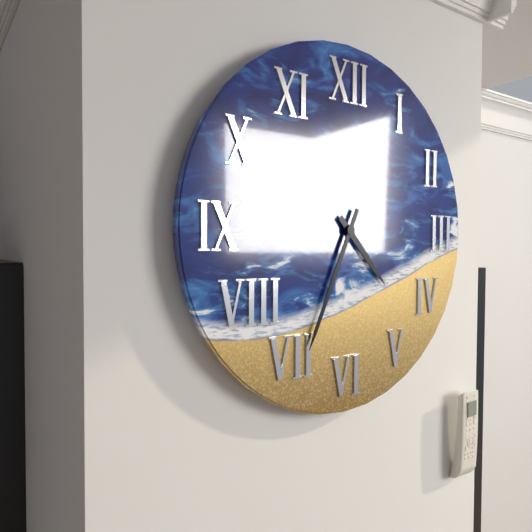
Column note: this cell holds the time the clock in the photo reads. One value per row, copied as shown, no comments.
4:34
